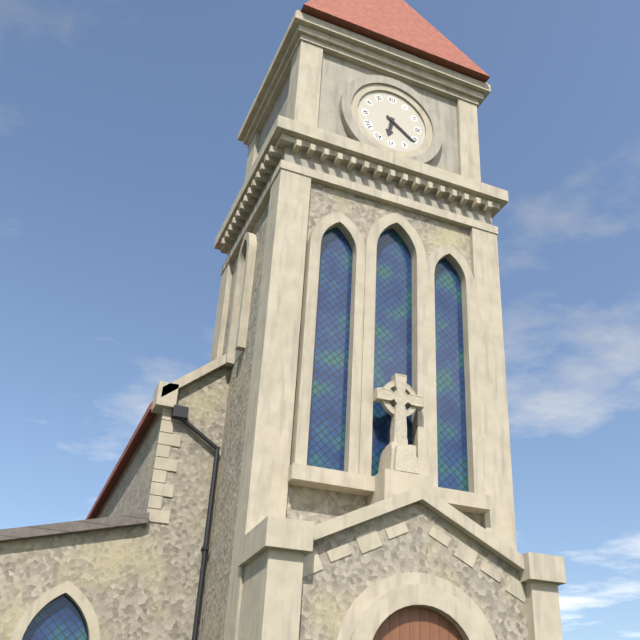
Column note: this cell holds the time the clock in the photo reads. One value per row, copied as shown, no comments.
6:21
